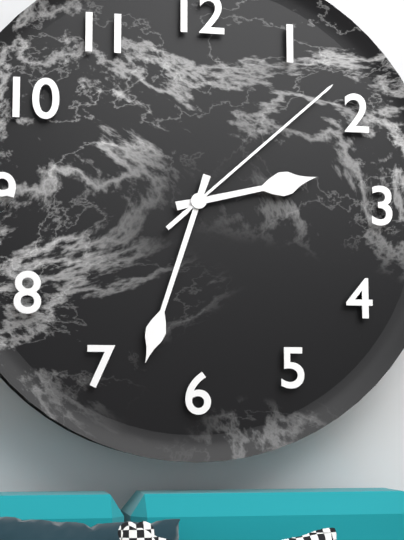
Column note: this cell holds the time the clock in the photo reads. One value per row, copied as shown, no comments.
2:33:08
